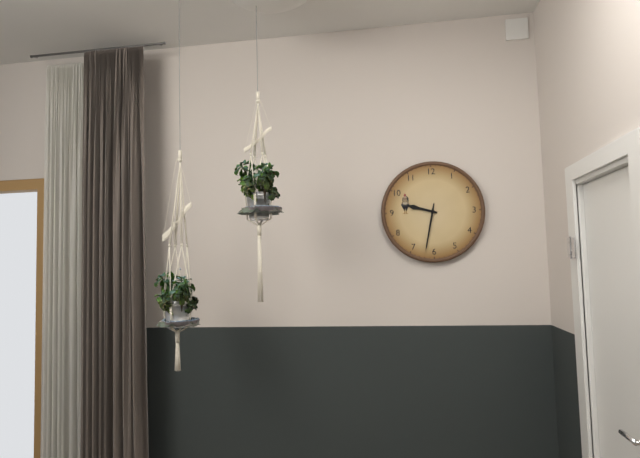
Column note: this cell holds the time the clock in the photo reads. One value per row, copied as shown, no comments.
9:32
